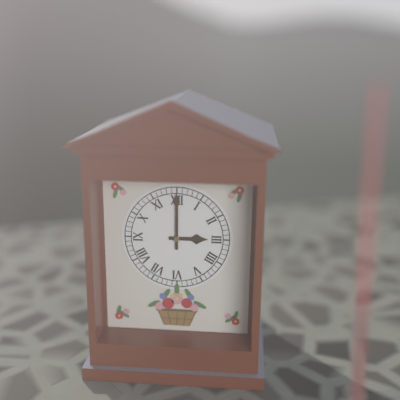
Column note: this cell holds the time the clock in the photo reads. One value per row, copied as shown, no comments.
3:00
